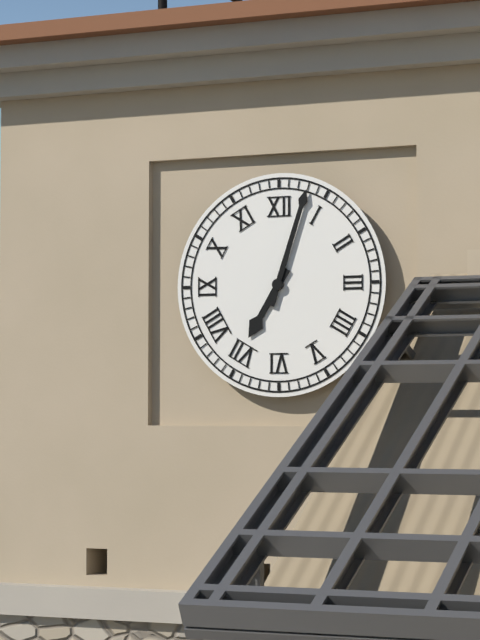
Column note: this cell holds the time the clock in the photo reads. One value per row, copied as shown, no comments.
7:03
